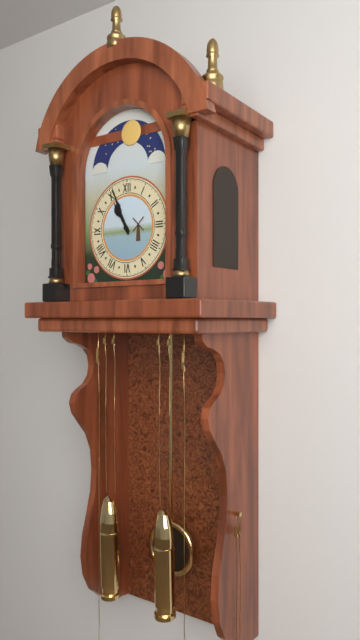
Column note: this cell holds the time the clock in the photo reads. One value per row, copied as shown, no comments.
10:56
